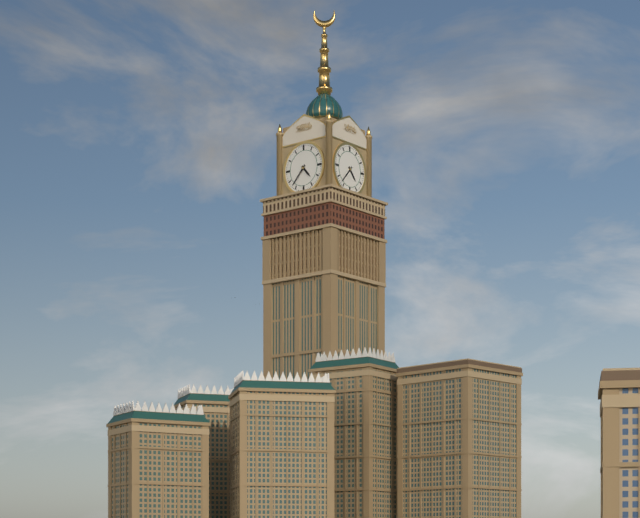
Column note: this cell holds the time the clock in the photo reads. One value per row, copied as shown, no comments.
4:37
